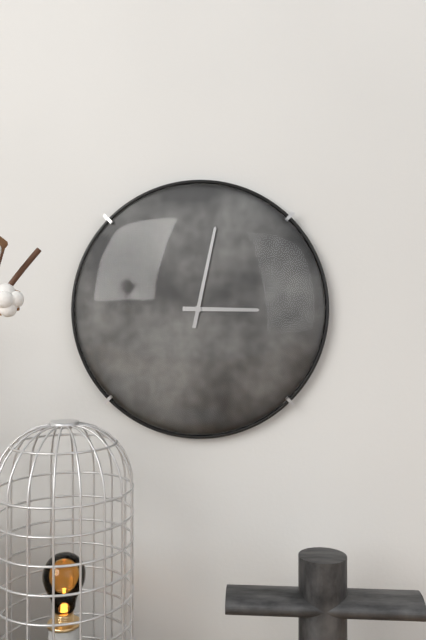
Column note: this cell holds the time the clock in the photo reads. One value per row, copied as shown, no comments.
3:02
